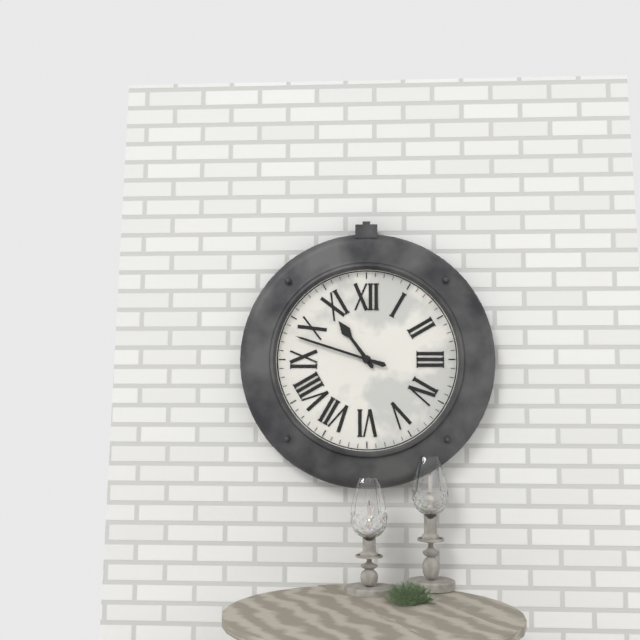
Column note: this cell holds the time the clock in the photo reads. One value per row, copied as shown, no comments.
10:48
